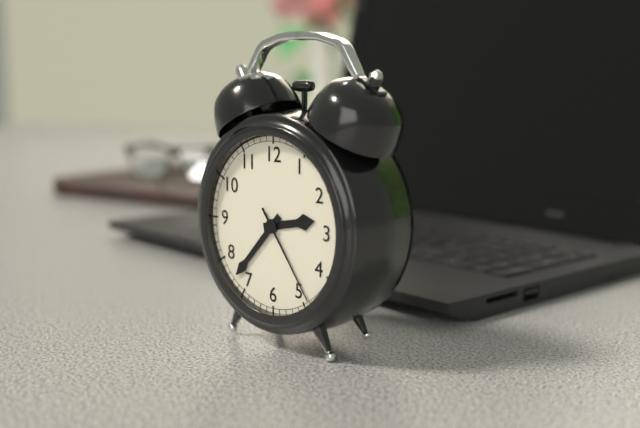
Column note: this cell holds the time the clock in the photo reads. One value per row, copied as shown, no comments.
2:37:24
